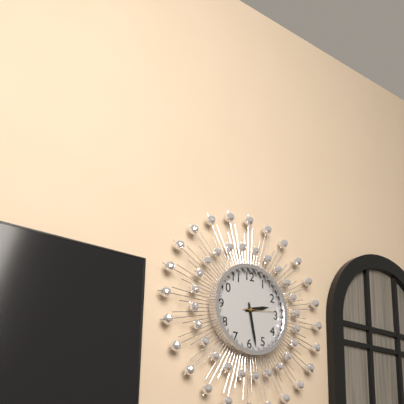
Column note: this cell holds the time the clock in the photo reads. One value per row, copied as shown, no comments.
2:28
